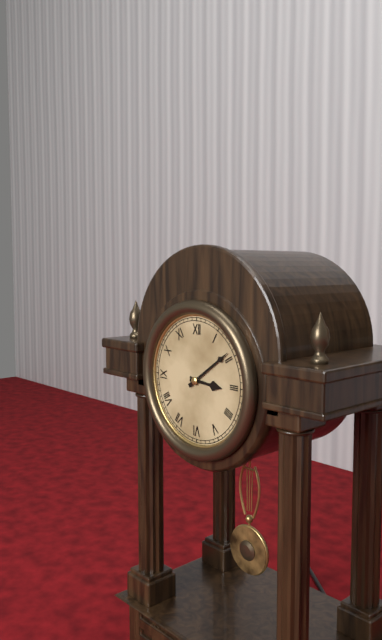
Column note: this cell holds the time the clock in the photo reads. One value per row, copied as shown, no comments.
3:09
